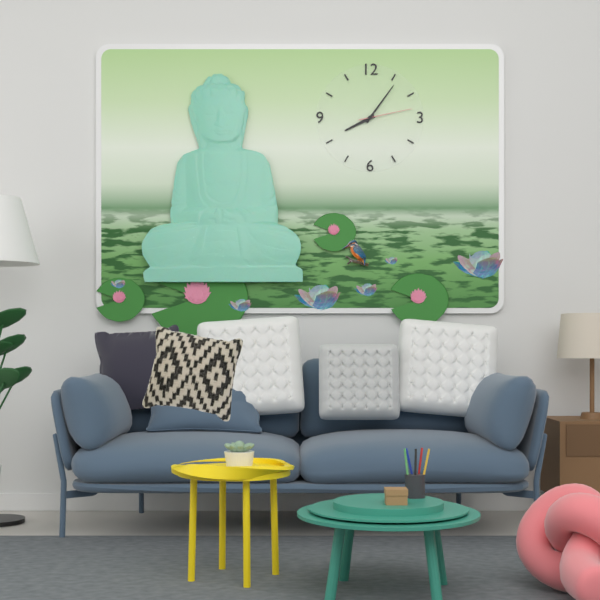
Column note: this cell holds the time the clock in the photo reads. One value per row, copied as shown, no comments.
8:06:13
